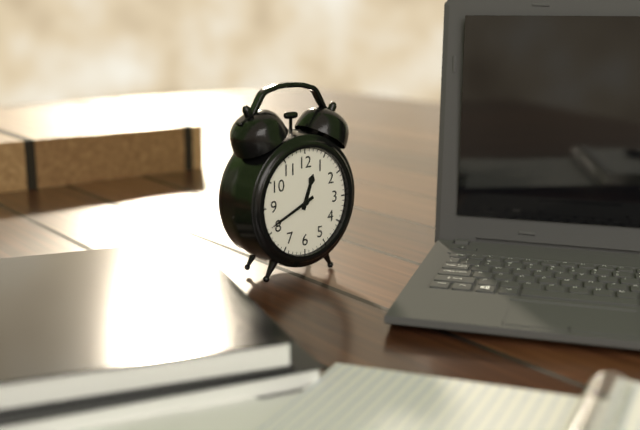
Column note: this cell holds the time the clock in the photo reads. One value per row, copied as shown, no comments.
12:41
